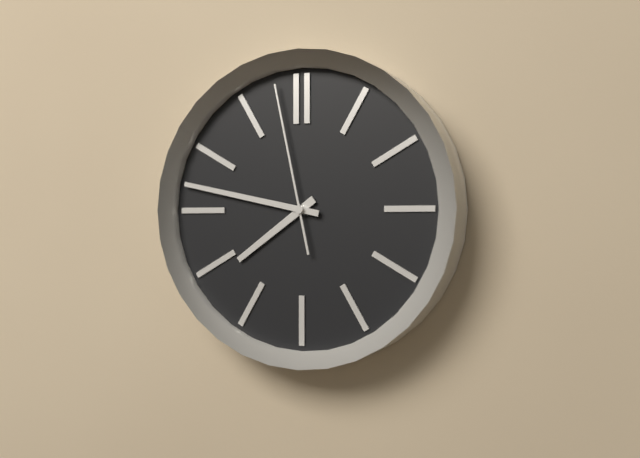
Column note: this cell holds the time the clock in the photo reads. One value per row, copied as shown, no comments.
7:47:58
